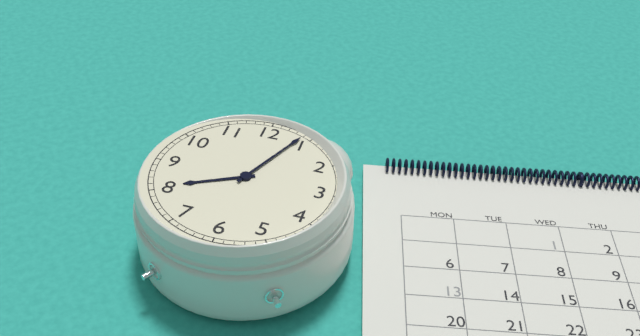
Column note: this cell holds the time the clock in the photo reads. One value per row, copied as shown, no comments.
8:04
